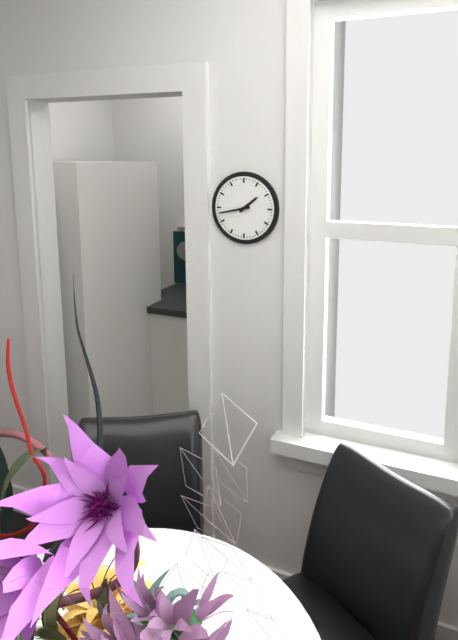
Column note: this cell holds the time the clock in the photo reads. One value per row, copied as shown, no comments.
1:43
